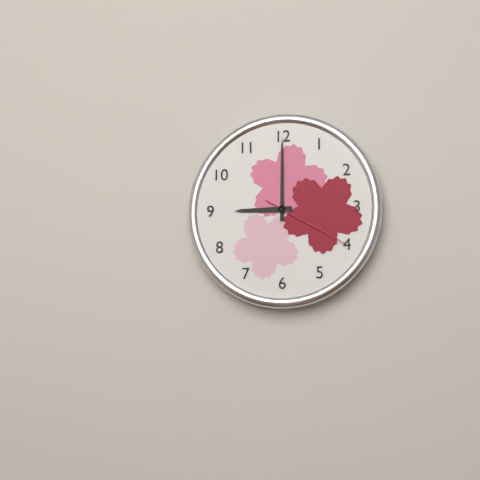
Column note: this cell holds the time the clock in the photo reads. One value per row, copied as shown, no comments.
9:00:20
